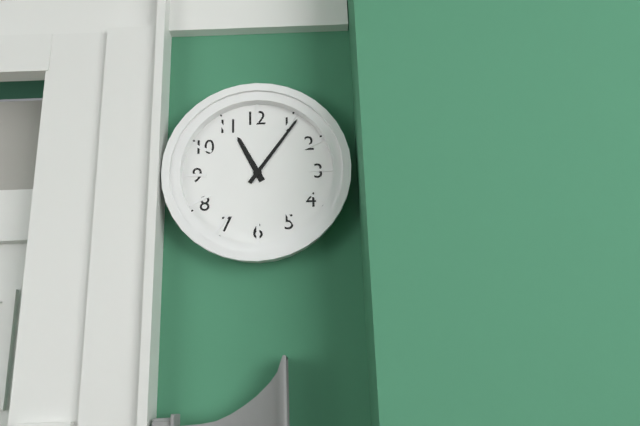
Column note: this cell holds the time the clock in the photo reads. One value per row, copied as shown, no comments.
11:06
